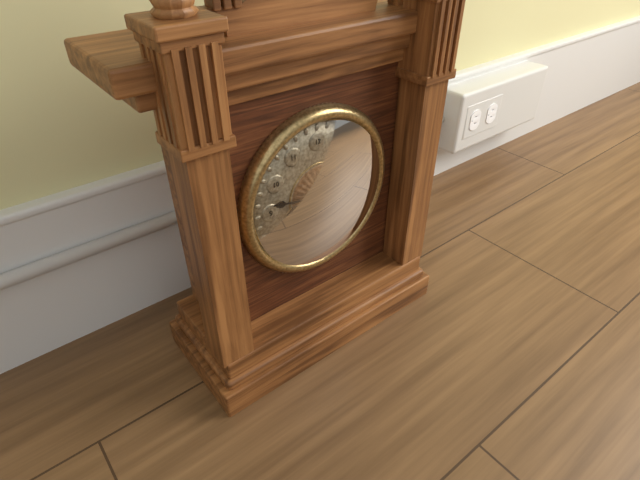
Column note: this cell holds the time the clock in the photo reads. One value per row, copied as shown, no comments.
8:47
